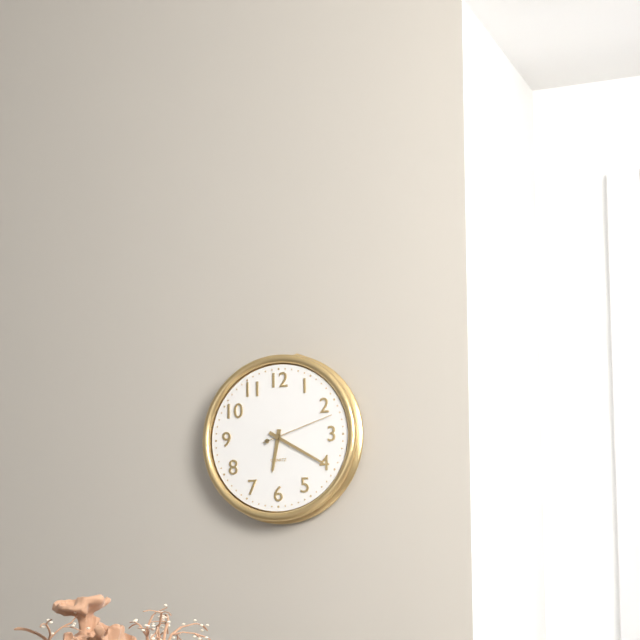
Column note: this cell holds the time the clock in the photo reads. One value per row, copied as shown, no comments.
6:20:12
